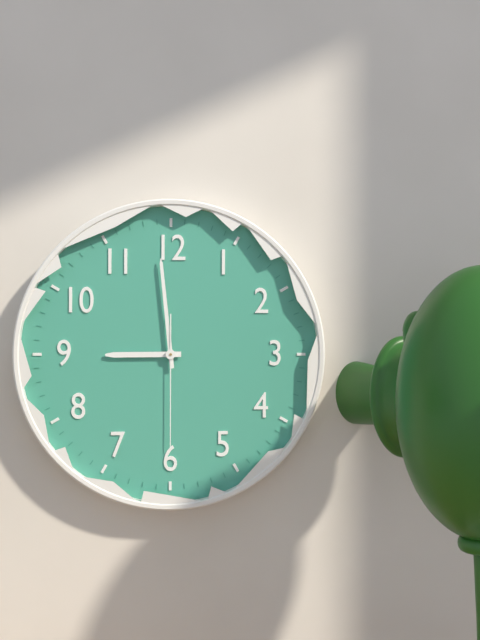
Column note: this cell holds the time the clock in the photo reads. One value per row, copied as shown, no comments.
8:59:30
